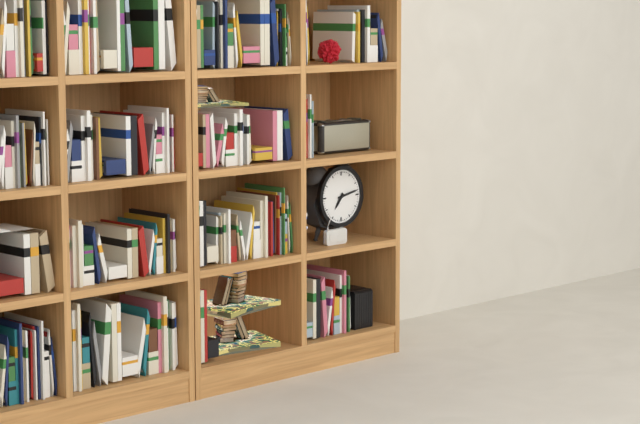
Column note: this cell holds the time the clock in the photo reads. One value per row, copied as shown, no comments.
7:13
